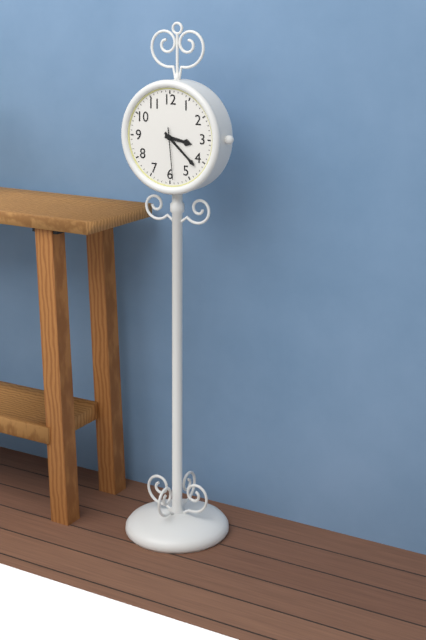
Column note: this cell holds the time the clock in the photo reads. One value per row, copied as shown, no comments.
3:22:29
